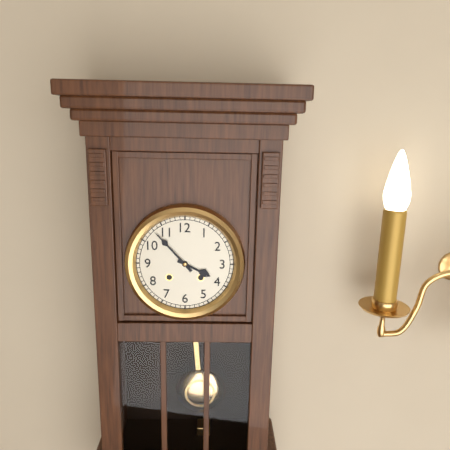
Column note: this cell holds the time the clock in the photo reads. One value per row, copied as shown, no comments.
3:53
